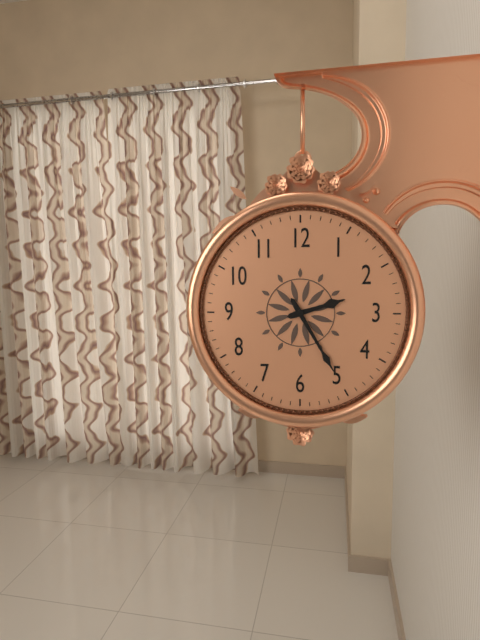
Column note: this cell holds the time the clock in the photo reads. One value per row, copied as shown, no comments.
2:25
